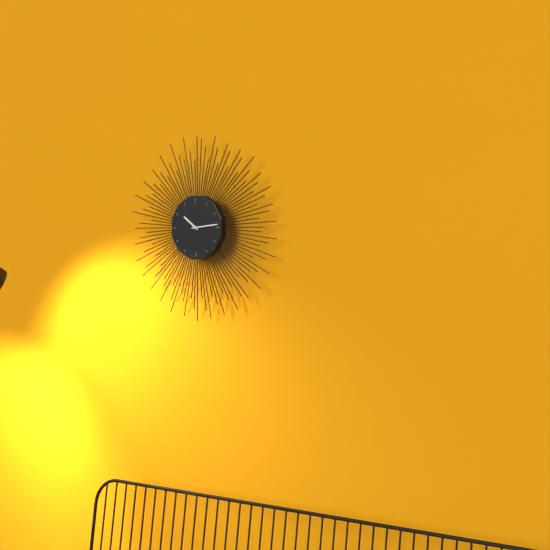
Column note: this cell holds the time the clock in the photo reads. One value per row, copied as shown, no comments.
10:14
